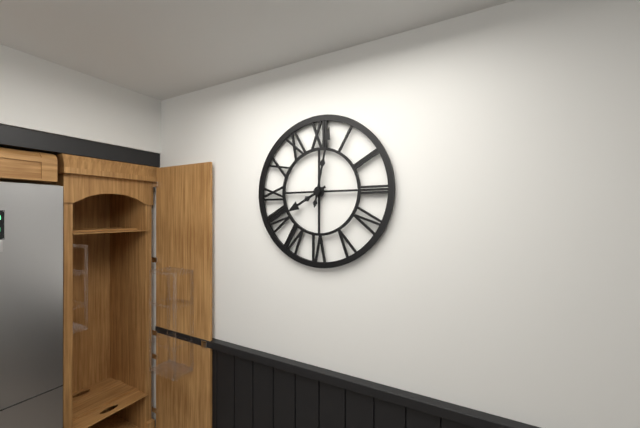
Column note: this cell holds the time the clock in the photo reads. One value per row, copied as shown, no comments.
8:02
